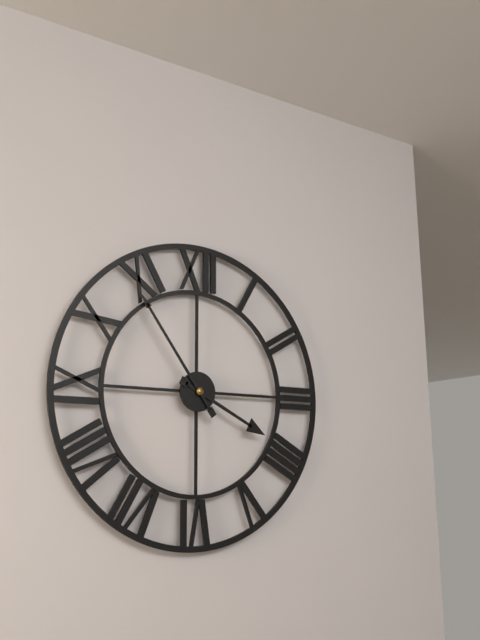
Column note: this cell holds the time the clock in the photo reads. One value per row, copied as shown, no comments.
3:54
